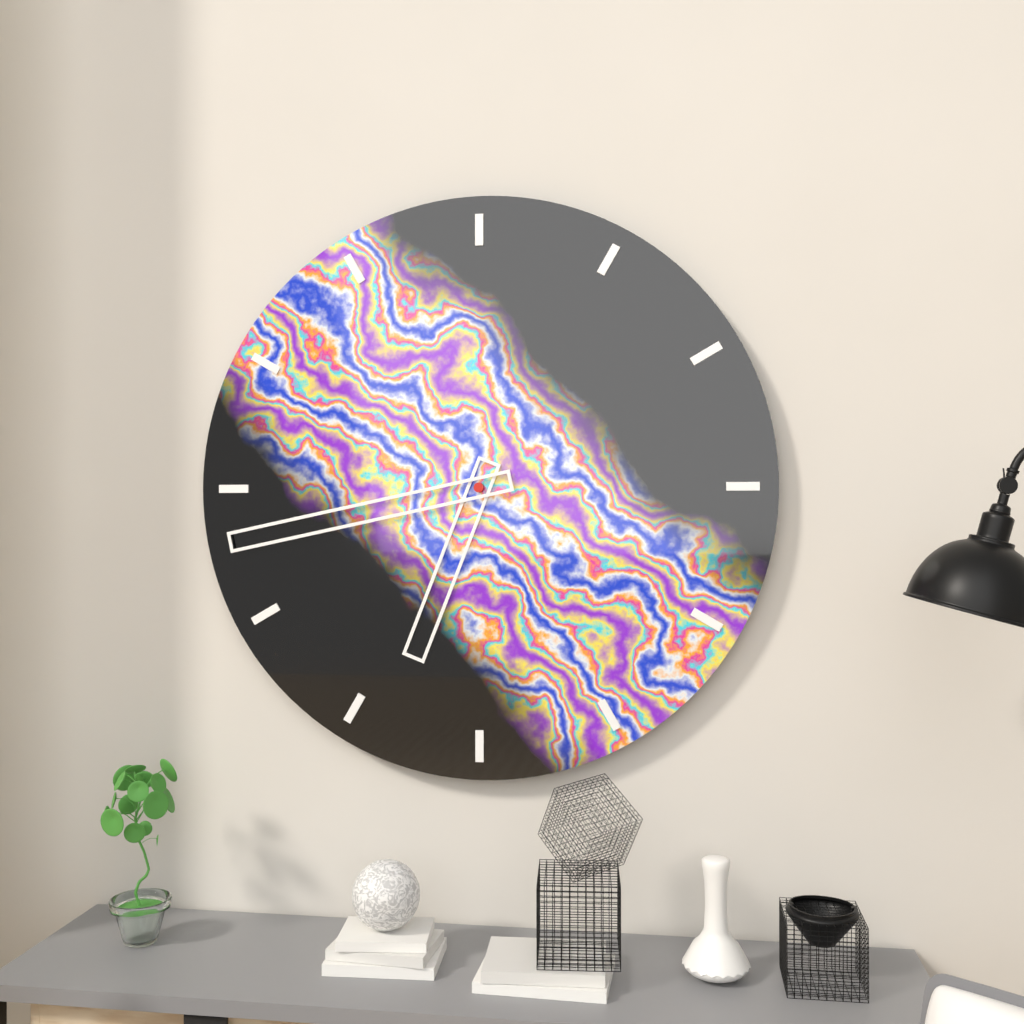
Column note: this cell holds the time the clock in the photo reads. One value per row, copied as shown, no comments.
6:43
